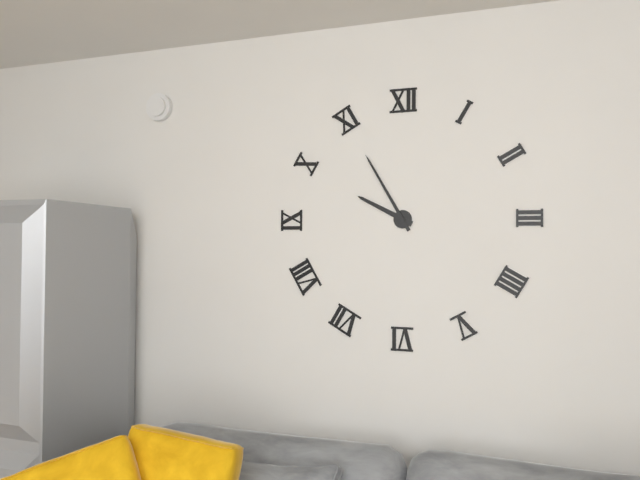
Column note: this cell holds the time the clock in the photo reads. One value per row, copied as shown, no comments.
9:55
